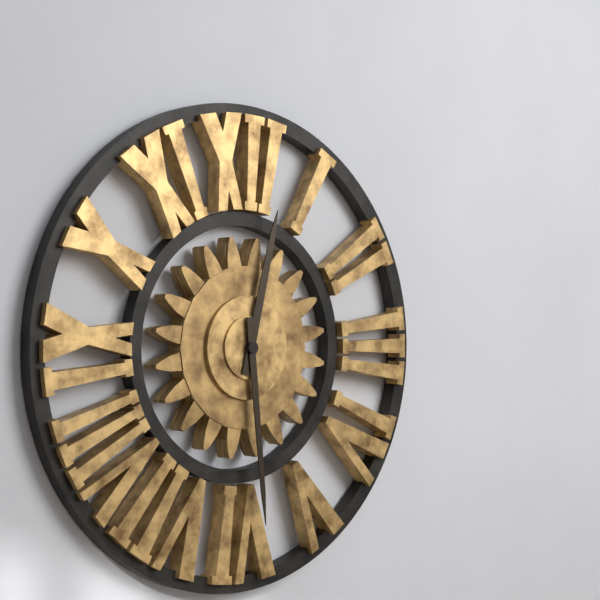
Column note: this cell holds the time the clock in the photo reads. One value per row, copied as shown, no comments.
12:29
